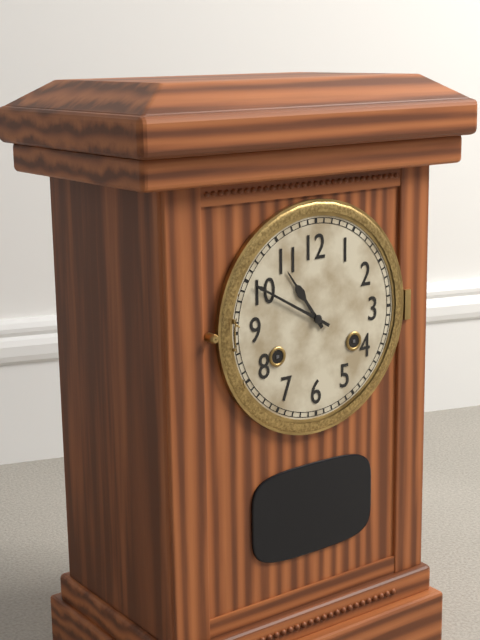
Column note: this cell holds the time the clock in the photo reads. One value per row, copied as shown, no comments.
10:50
